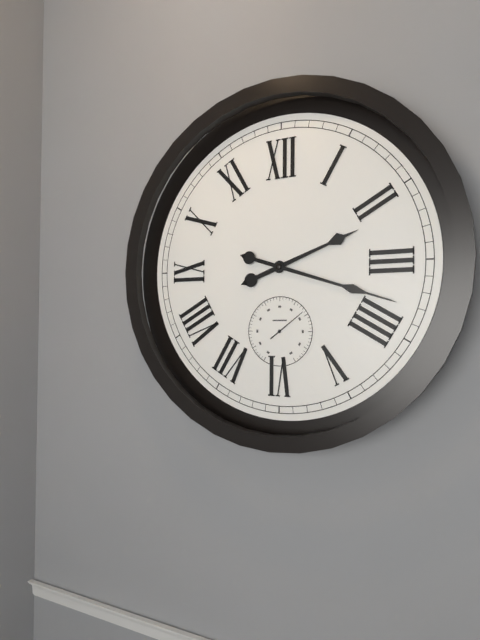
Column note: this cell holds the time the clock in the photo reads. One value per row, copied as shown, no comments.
2:18
